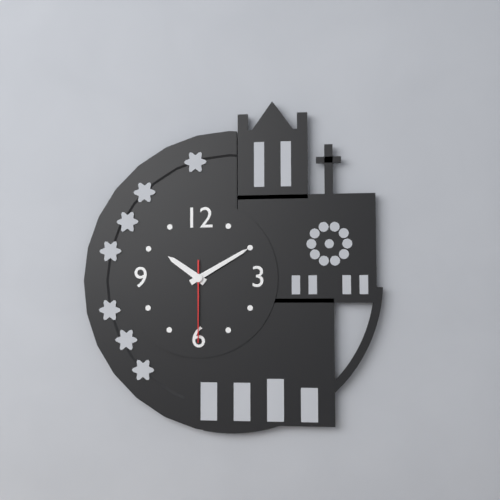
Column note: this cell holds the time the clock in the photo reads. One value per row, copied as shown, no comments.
10:10:30
